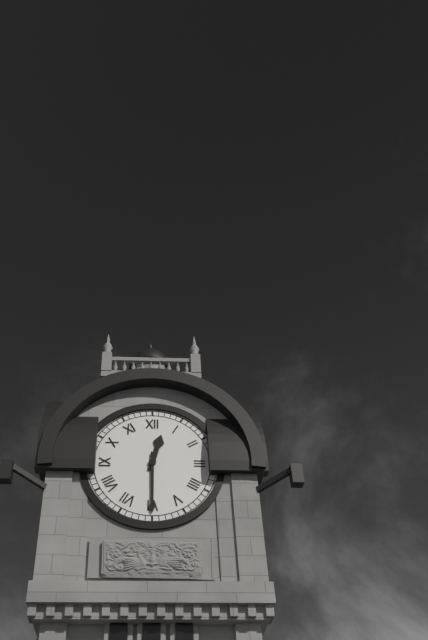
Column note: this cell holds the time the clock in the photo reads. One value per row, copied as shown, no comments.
12:30
